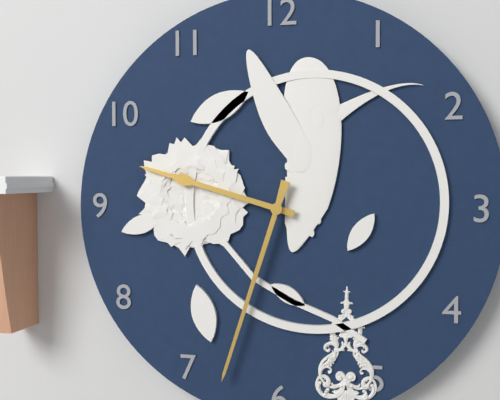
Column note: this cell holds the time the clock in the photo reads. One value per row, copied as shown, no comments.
9:33
